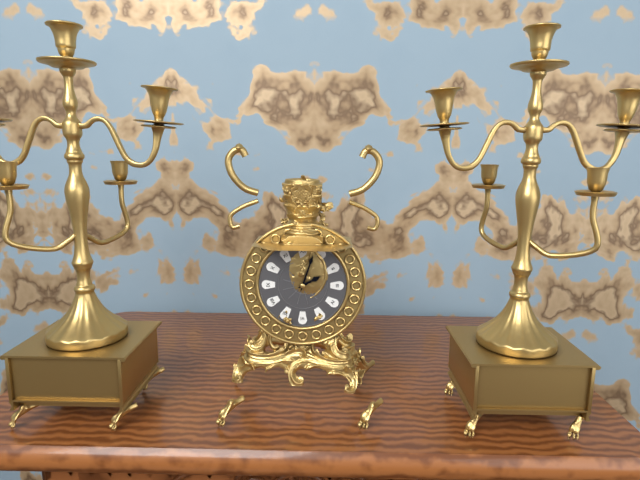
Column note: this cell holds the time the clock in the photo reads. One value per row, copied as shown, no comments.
2:03
